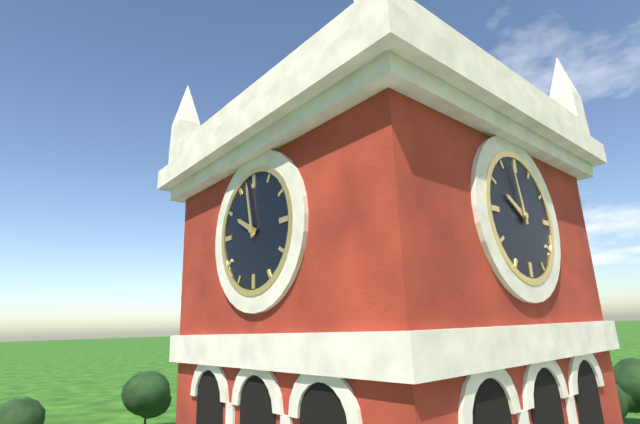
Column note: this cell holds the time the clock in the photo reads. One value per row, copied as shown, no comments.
9:58
